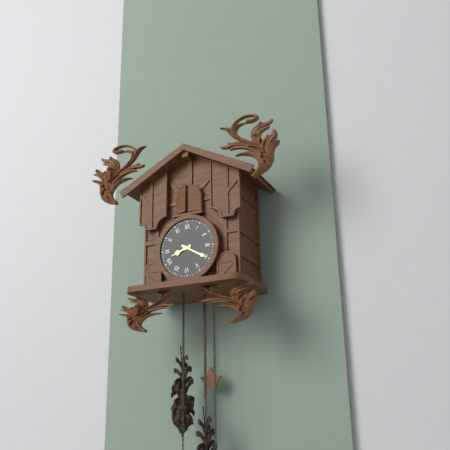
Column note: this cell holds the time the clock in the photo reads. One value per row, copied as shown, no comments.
8:20
